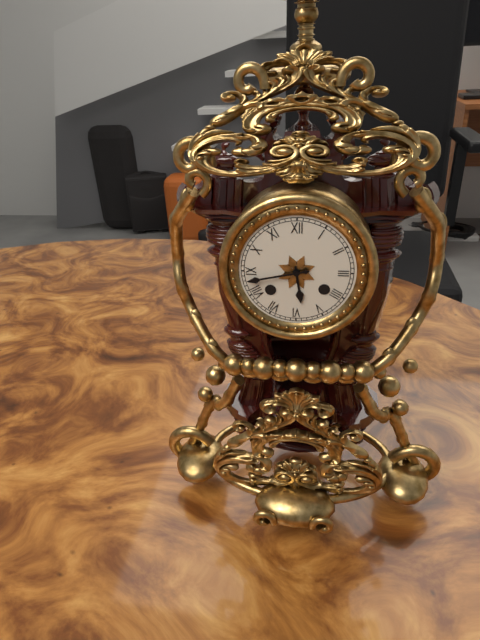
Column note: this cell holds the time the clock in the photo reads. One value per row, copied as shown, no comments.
5:43
